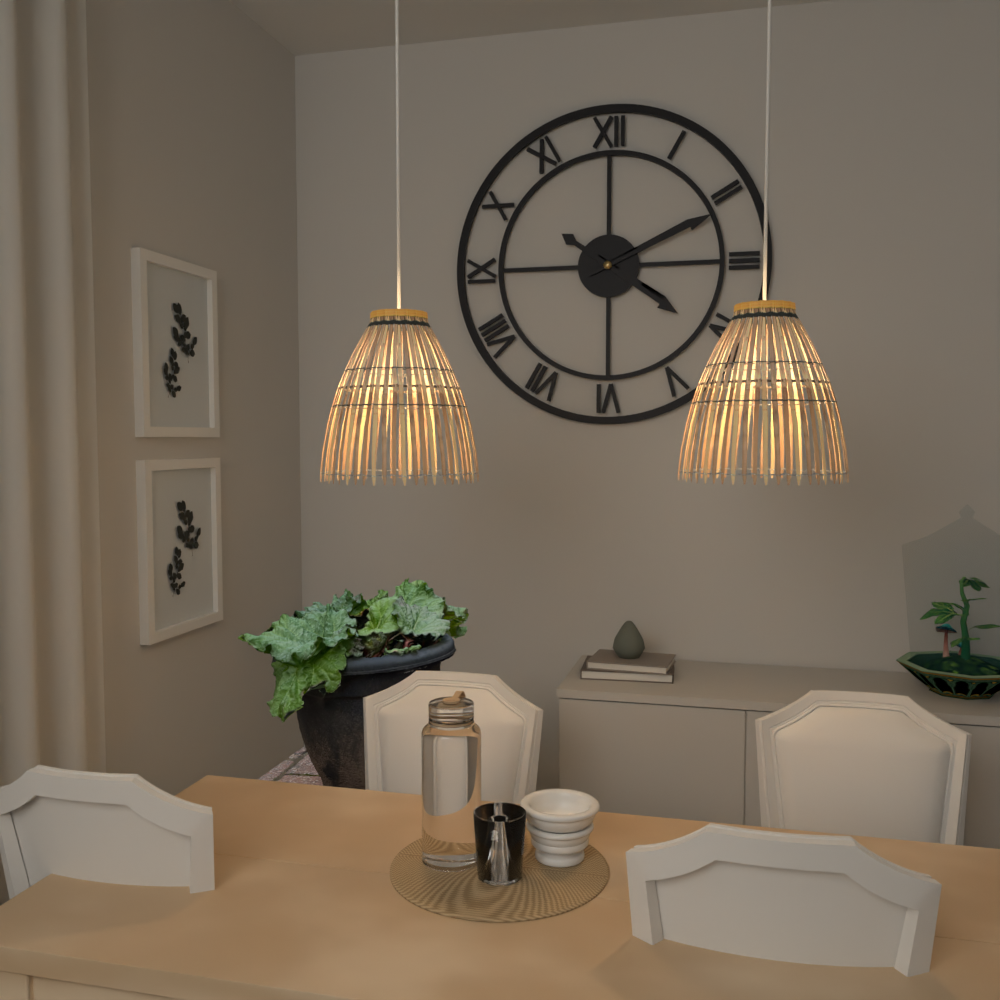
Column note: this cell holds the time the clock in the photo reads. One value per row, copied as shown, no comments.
4:11
